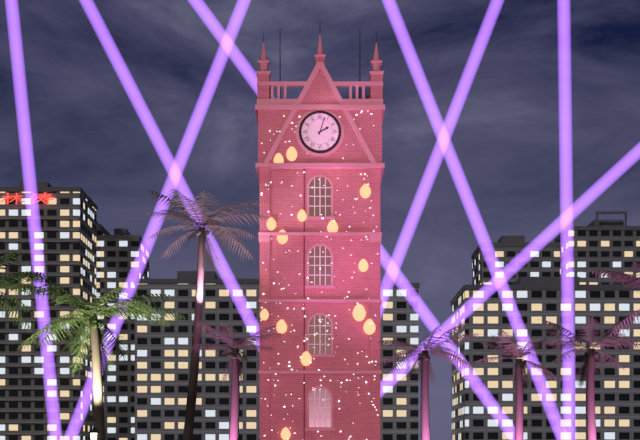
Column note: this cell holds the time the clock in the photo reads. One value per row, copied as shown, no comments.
2:03
